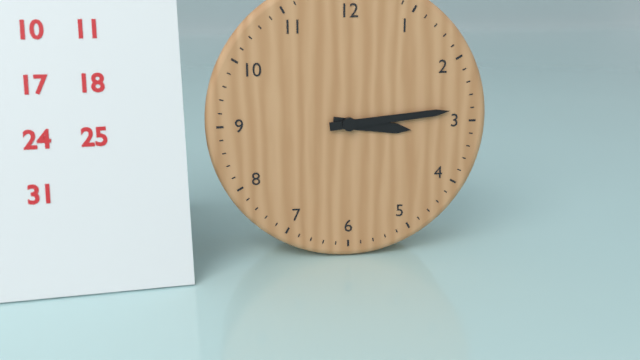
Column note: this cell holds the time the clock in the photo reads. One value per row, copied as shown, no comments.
3:14
